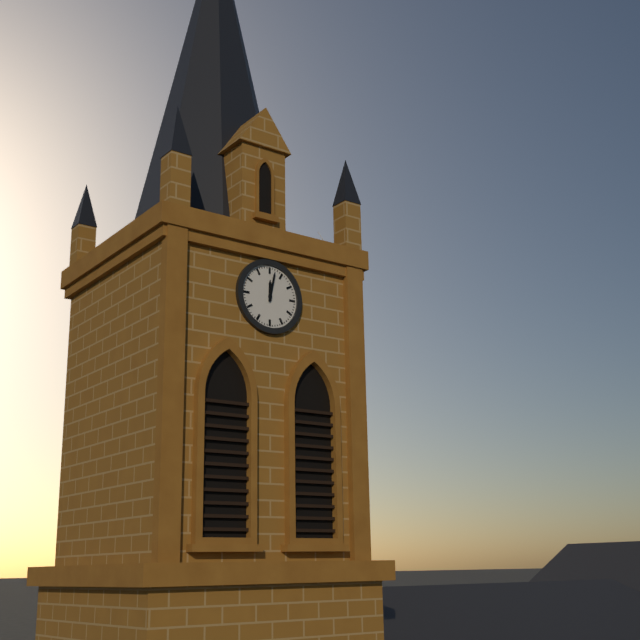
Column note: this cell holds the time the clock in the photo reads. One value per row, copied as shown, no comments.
12:02
